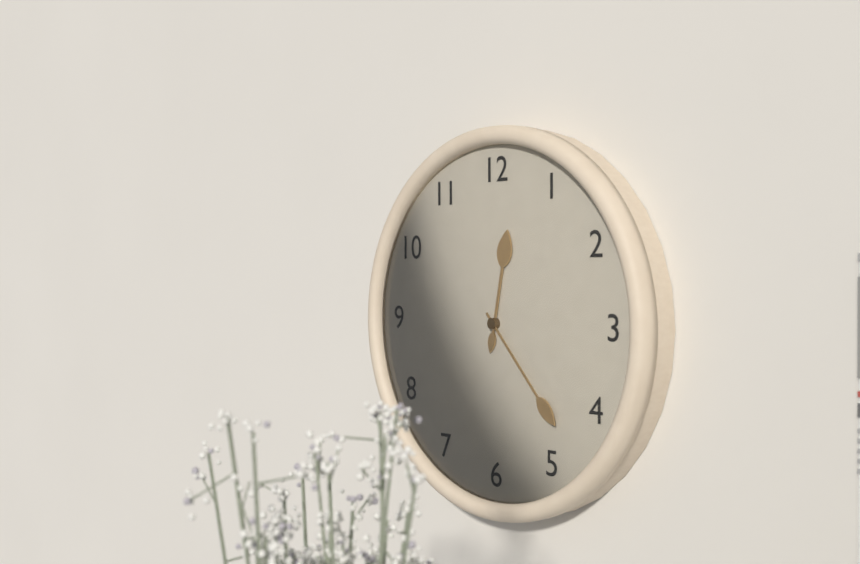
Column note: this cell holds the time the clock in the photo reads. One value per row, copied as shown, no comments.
12:23
